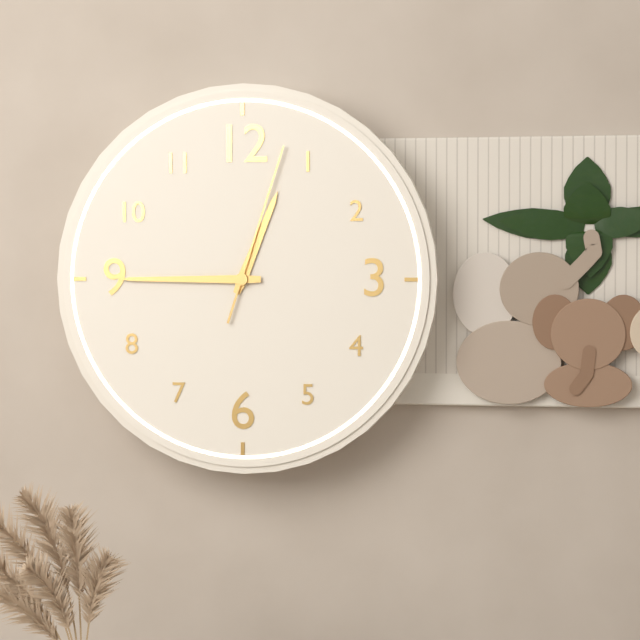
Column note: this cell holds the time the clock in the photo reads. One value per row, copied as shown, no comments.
12:45:03
